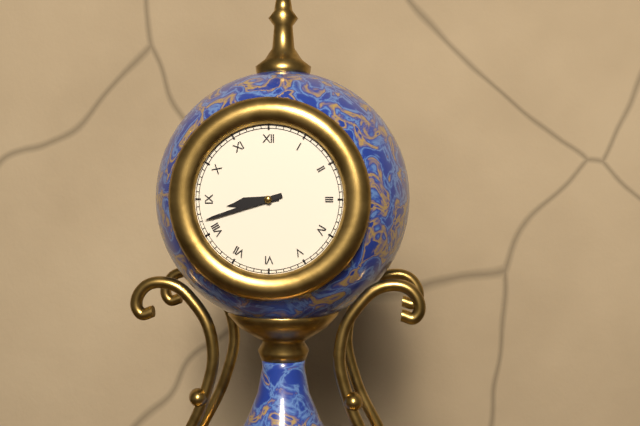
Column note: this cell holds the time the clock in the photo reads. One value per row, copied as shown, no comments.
8:42
